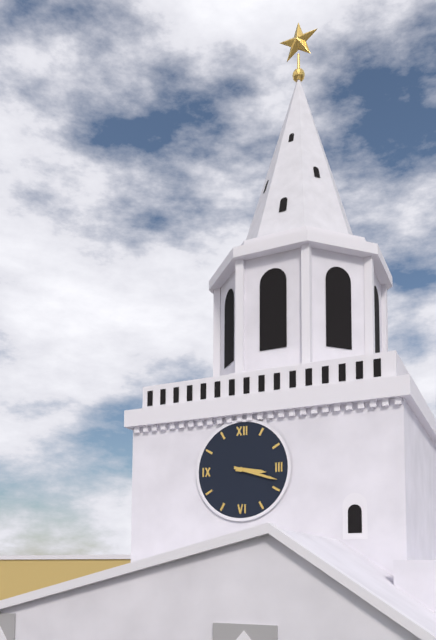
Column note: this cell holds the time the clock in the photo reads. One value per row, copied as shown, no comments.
3:18
